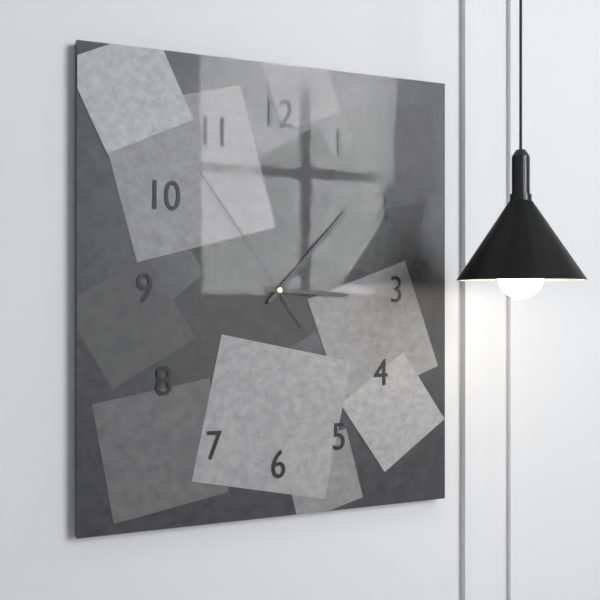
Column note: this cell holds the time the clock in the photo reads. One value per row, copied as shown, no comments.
3:07:54
